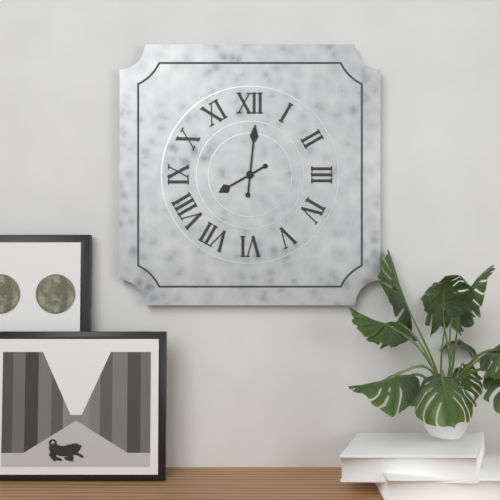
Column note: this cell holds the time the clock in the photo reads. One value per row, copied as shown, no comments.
8:01
